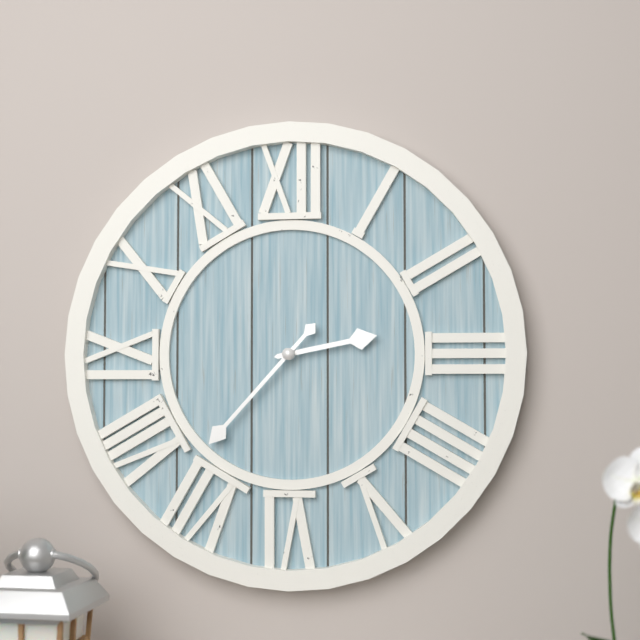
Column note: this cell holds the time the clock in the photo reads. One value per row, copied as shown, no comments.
2:37
